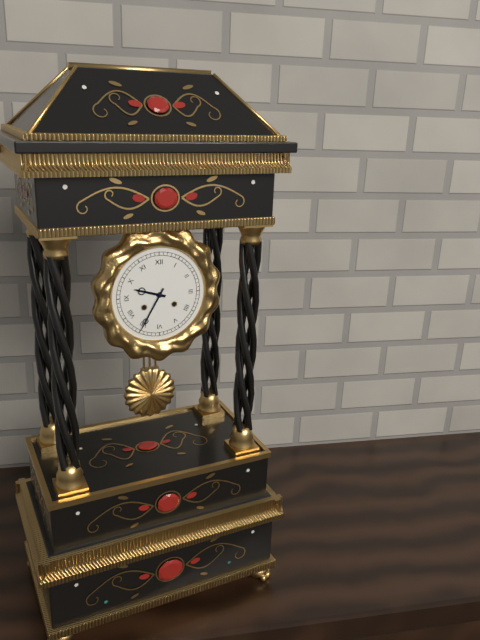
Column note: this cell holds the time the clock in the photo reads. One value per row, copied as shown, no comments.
9:35
